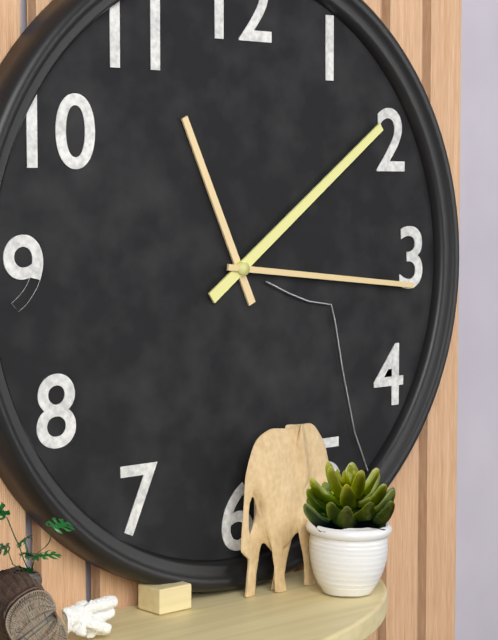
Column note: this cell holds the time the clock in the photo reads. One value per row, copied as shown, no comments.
11:09:16
